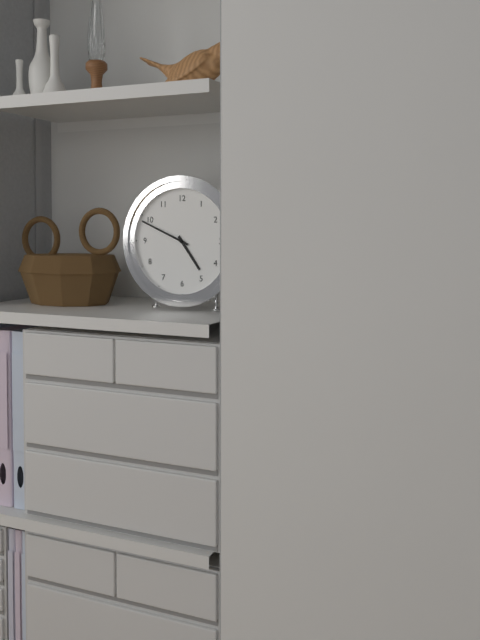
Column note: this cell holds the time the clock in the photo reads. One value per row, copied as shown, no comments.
4:49
